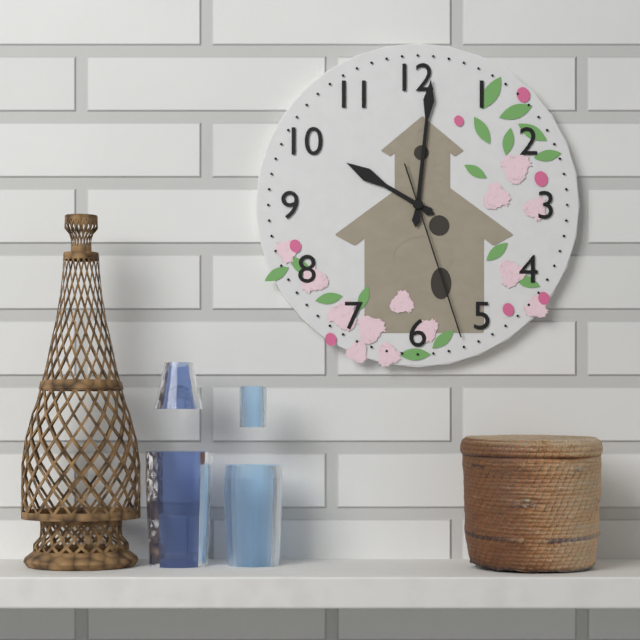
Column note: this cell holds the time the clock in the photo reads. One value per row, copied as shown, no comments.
10:01:27
